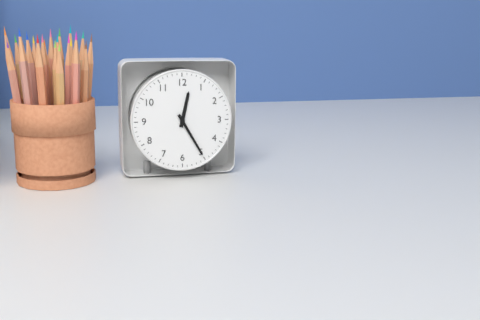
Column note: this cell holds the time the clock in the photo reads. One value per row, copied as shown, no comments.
12:25
